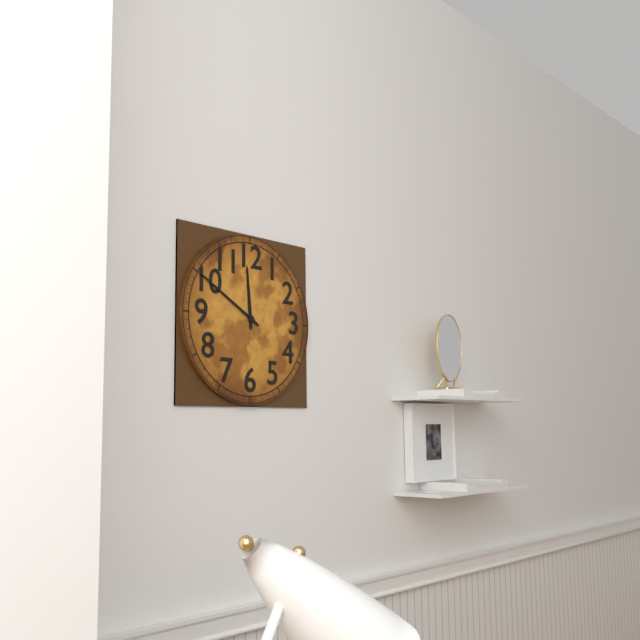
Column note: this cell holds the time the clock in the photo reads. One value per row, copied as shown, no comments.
11:50
